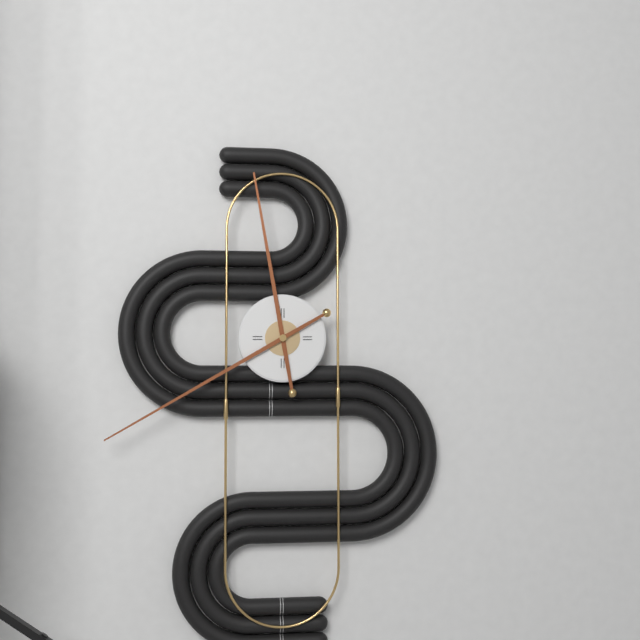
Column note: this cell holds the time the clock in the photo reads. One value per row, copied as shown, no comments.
11:40
